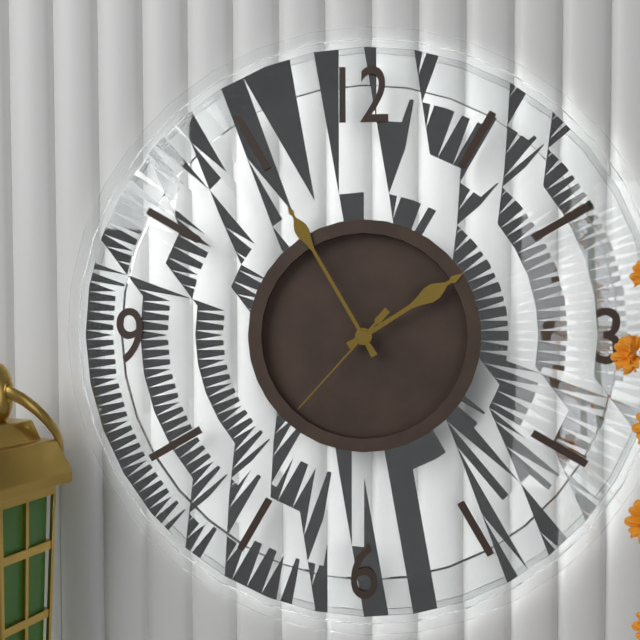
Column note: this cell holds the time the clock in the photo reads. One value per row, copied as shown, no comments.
1:55:37
